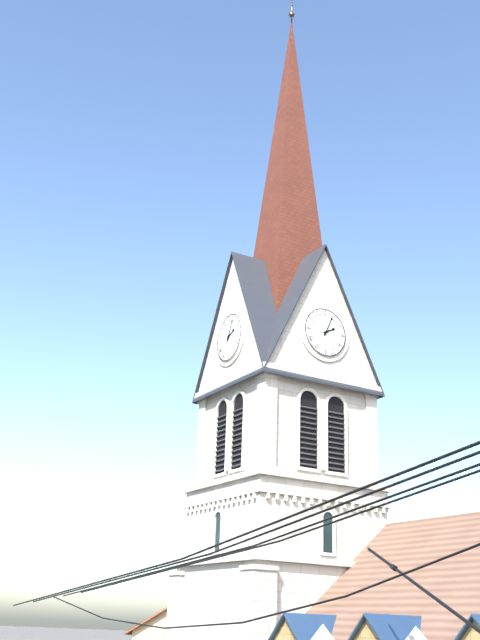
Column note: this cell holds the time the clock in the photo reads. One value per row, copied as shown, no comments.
2:04
